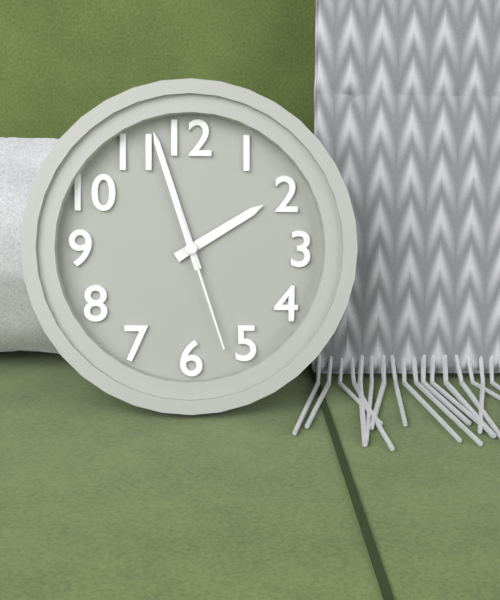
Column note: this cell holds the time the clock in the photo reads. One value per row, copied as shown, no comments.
1:57:27
